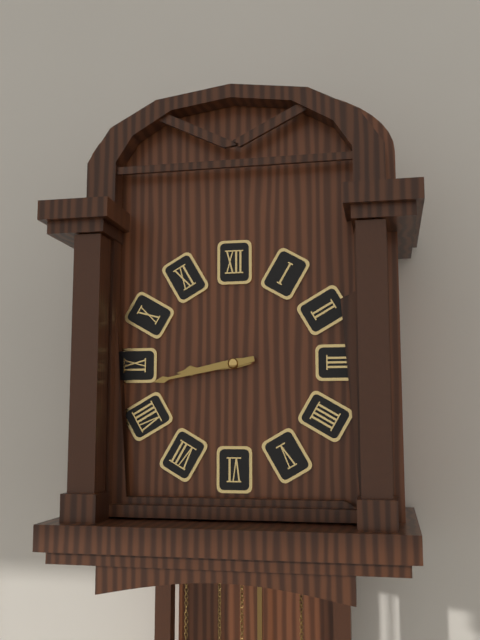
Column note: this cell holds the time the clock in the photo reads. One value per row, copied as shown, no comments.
8:43
